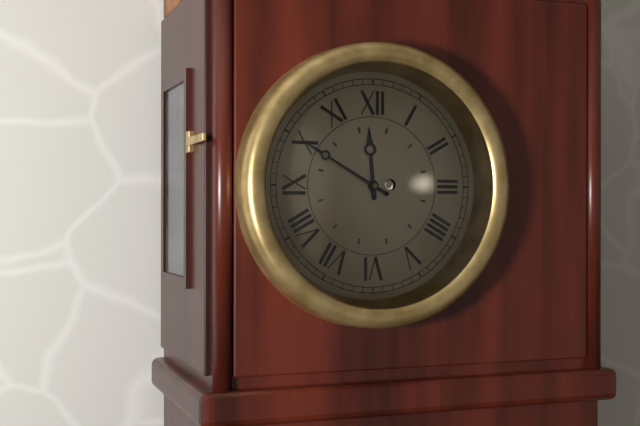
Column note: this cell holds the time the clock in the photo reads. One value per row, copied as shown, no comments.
11:50
